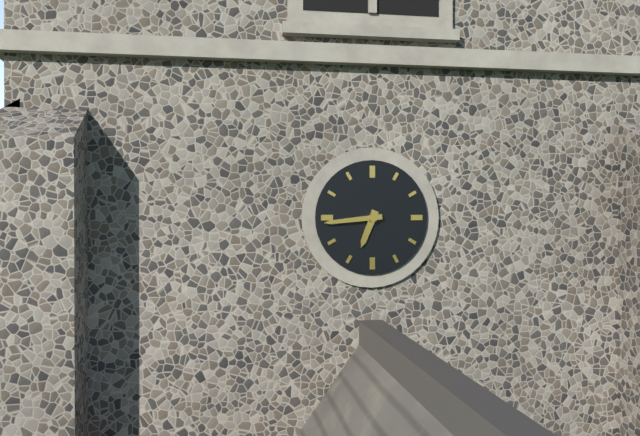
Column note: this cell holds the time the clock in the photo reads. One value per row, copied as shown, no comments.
6:44
